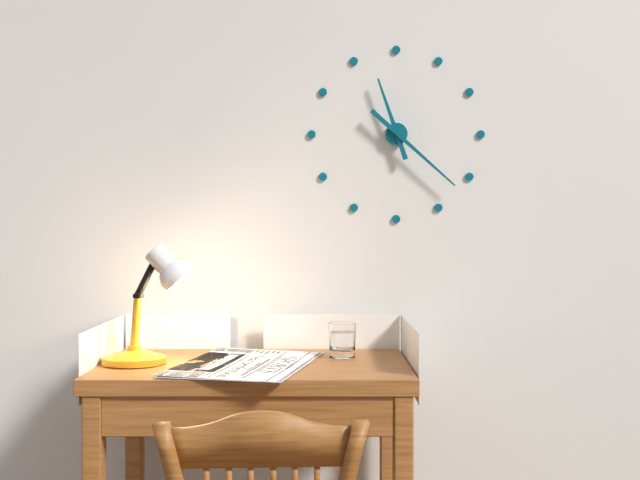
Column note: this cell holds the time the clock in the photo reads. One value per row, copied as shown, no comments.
11:22
